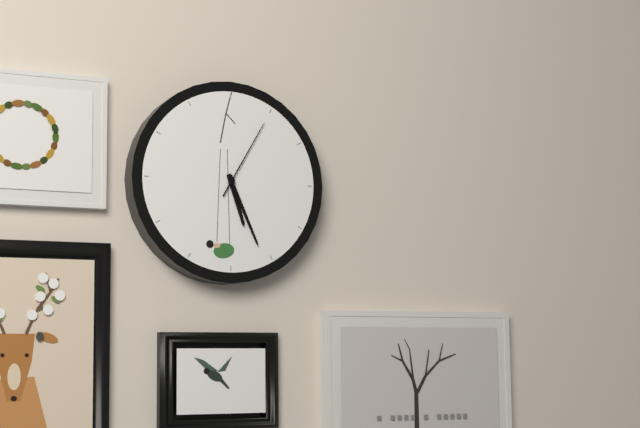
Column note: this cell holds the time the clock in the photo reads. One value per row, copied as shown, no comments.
5:26:05
